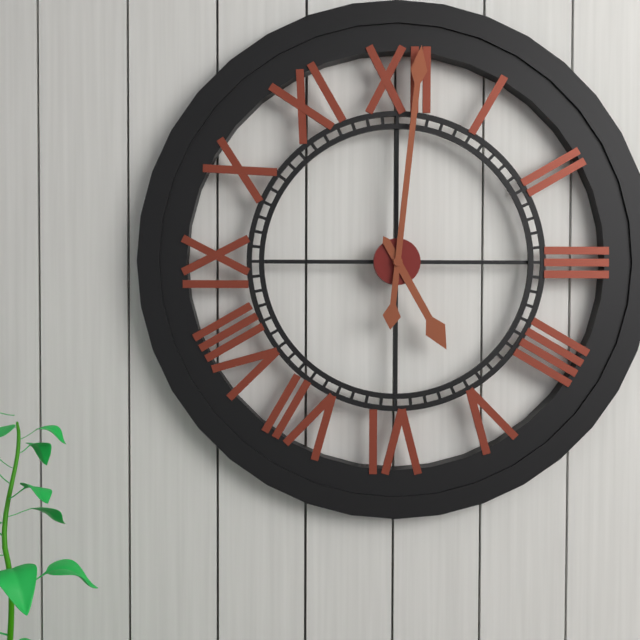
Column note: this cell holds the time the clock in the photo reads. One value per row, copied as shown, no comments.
5:01
